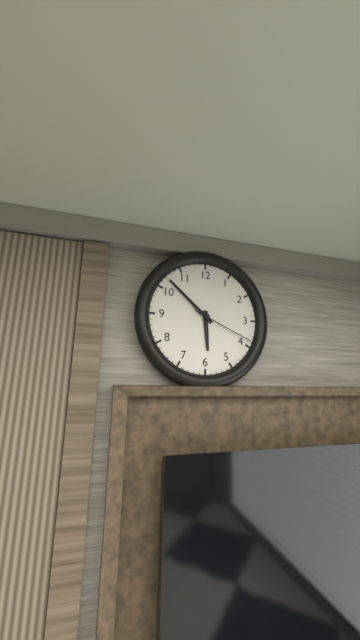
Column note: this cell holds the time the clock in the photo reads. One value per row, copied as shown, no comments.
5:52:19
